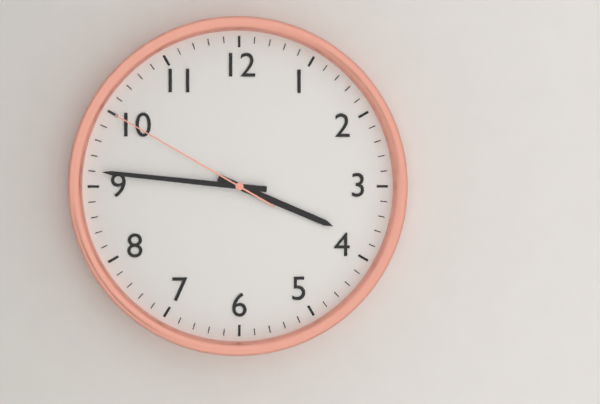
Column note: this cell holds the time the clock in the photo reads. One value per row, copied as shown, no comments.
3:46:50
